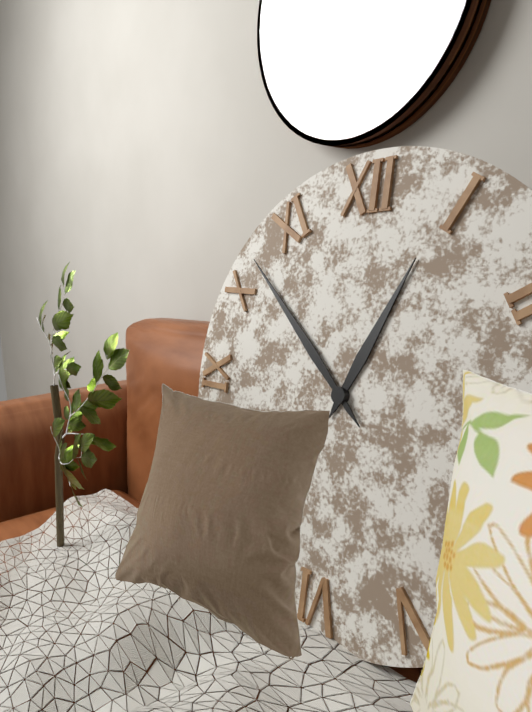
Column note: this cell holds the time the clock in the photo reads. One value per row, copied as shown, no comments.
12:52
